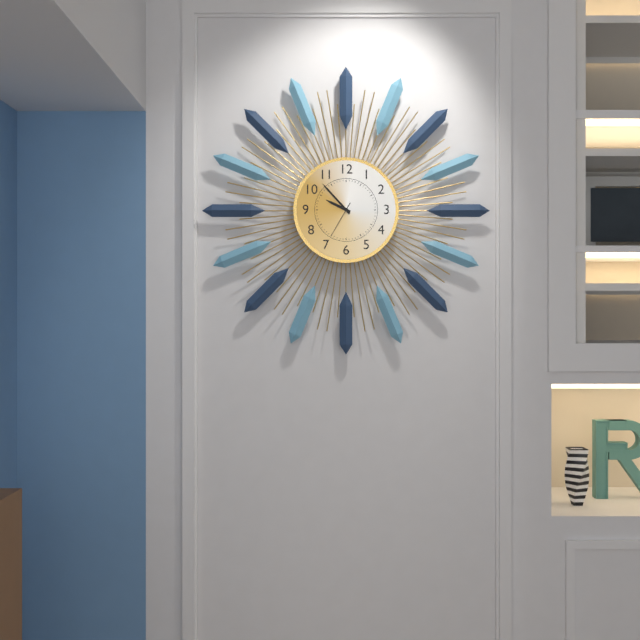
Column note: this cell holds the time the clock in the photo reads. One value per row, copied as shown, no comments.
9:53
